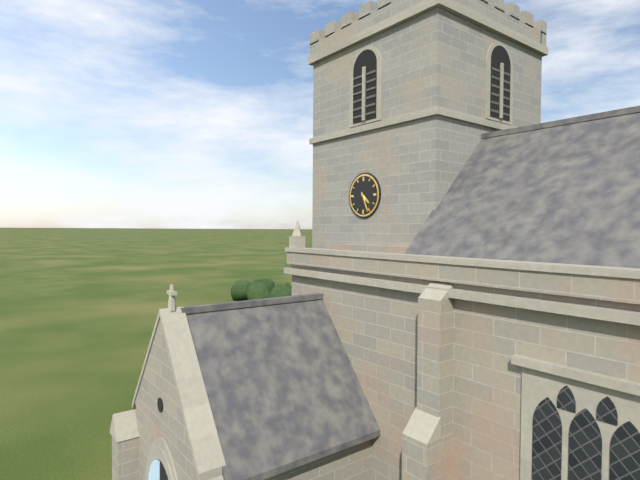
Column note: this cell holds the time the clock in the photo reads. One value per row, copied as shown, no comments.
4:26
